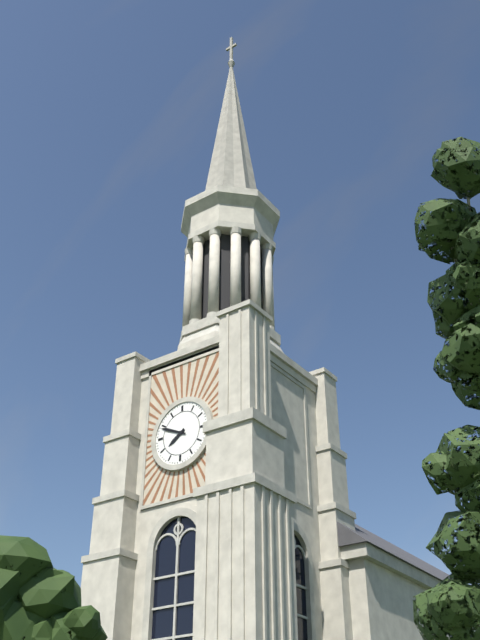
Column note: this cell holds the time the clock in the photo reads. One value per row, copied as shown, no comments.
7:49
